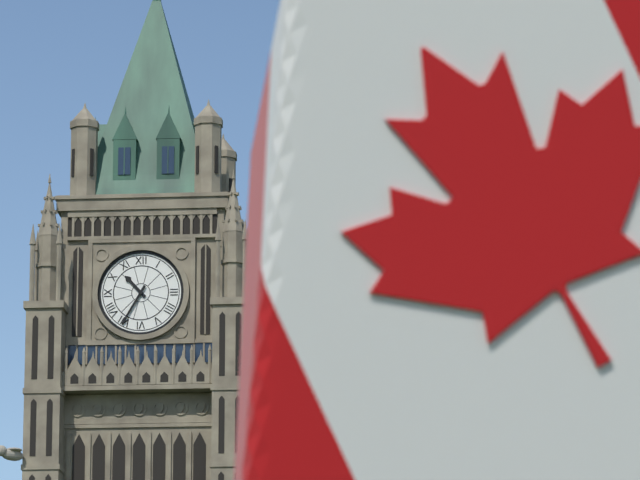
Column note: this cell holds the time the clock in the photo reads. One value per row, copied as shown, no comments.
10:35
